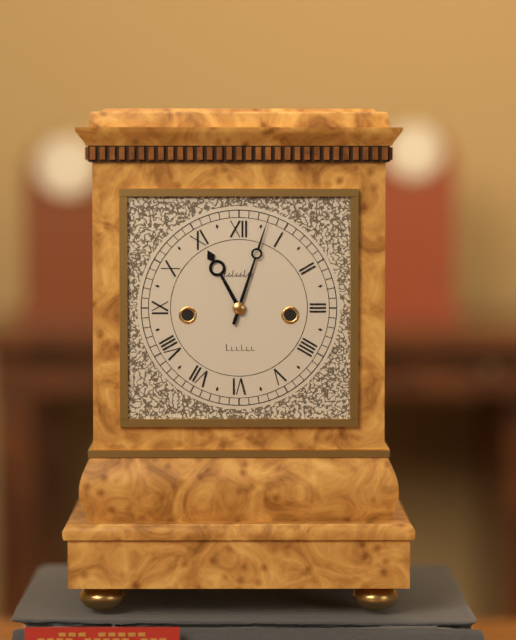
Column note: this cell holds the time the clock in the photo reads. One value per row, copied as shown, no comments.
11:03
